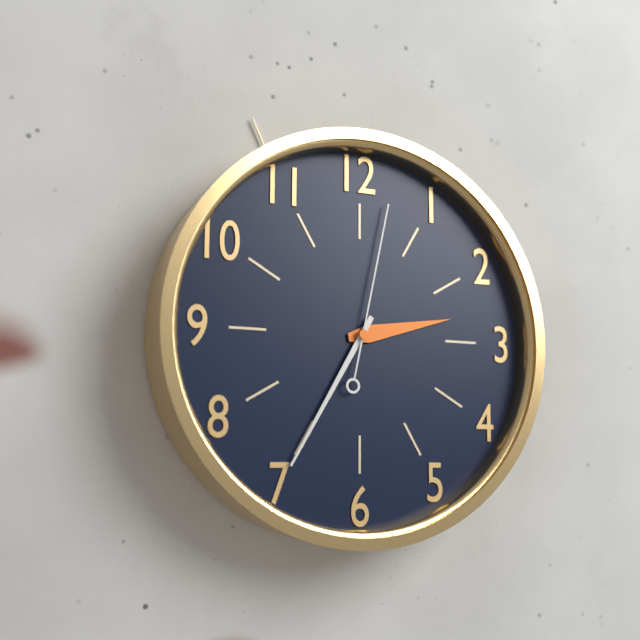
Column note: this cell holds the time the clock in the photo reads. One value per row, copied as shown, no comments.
2:35:02
